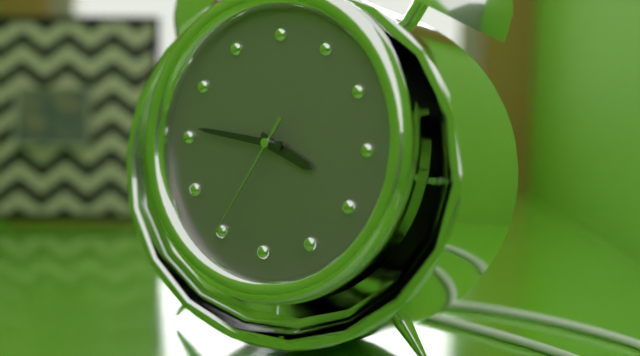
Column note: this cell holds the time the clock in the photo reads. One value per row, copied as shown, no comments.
3:46:35
